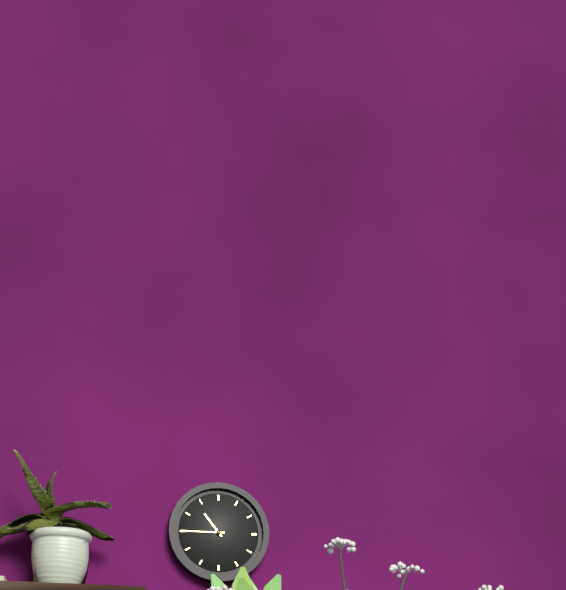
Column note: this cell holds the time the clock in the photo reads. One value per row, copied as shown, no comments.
10:45
